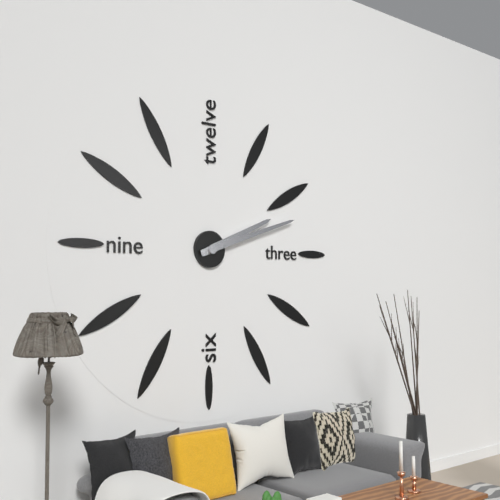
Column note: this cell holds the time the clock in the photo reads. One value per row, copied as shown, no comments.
2:12
